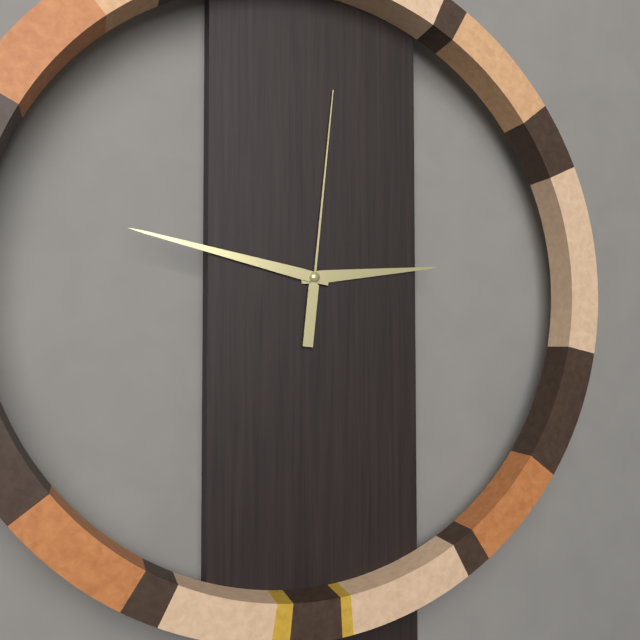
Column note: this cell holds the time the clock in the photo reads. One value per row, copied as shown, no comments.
2:47:01
